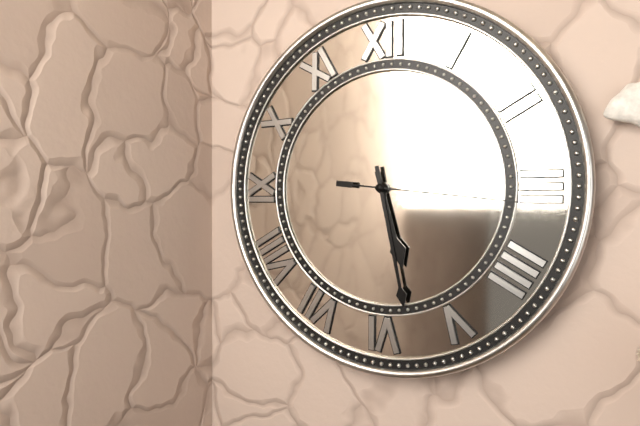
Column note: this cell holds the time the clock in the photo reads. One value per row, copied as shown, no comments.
5:28:16
